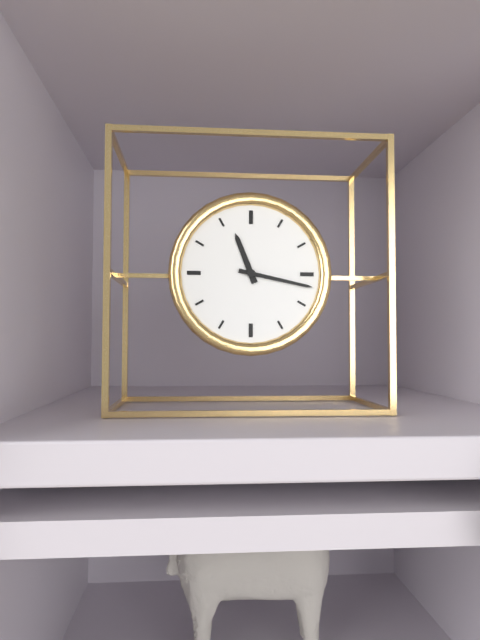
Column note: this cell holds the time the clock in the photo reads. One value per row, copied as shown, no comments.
11:17
